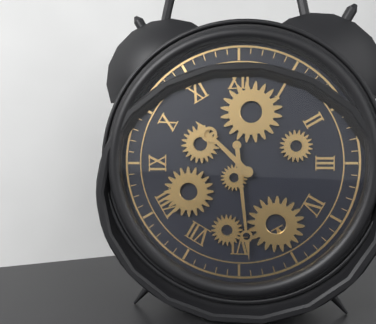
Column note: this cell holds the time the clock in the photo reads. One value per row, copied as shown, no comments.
10:29
